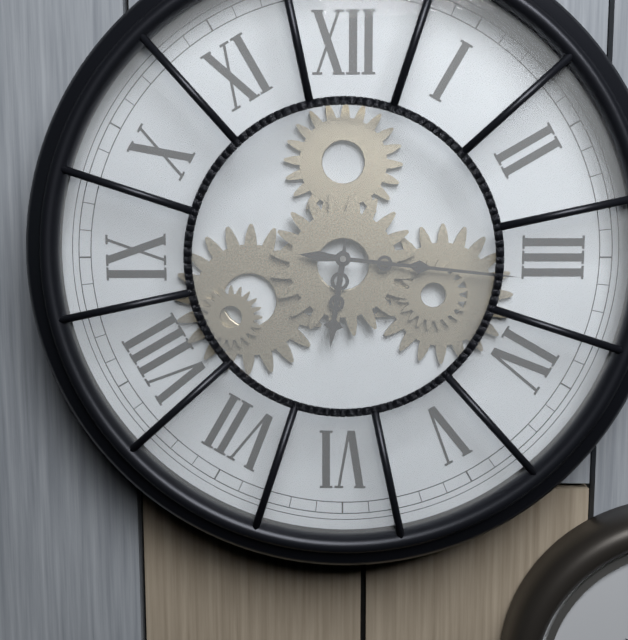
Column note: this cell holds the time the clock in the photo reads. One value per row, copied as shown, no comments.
6:16
